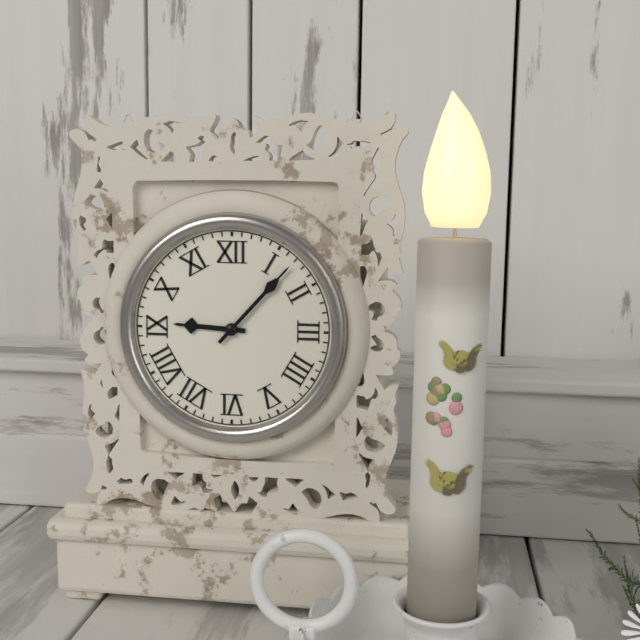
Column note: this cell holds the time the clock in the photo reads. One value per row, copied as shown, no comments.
9:07
